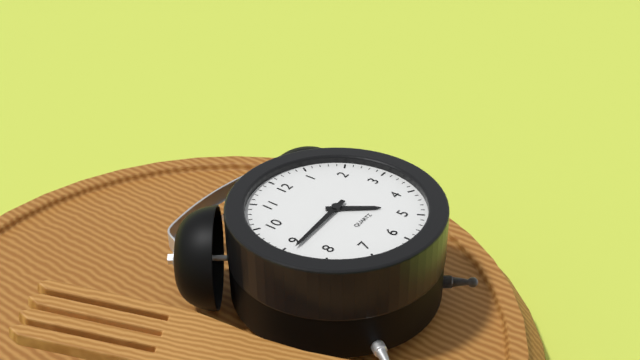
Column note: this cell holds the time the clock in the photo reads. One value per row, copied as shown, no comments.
4:44
